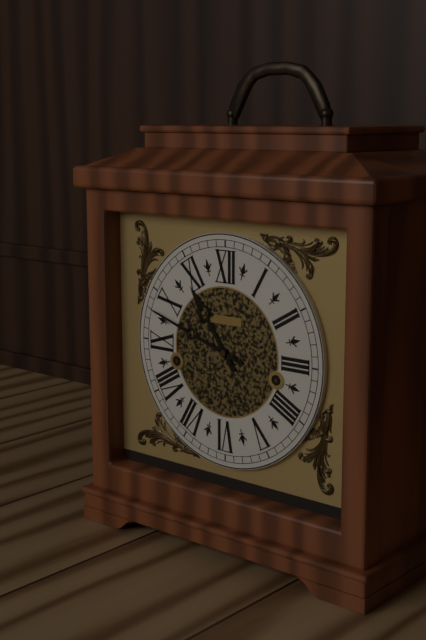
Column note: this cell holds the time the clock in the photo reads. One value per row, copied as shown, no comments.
10:48
